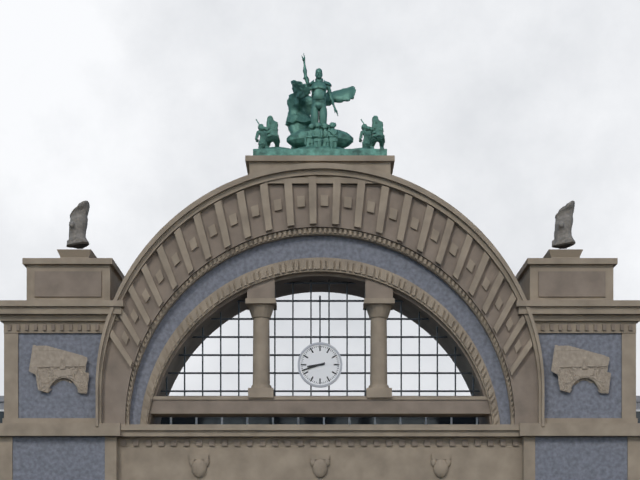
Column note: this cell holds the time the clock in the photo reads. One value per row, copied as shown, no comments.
8:42
